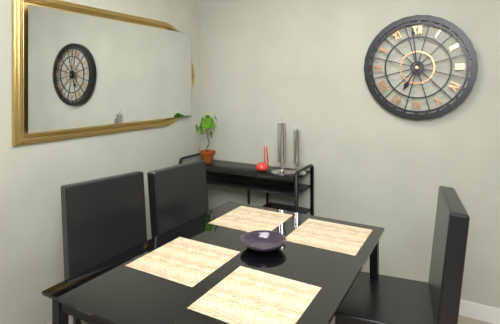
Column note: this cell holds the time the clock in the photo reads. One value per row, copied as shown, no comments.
6:59
